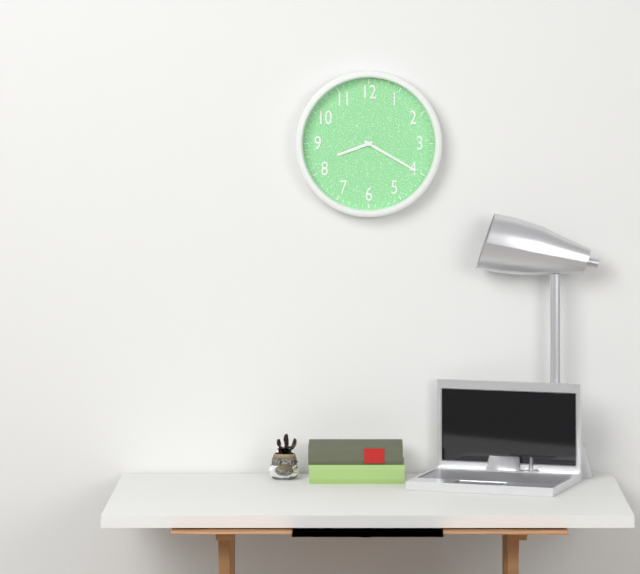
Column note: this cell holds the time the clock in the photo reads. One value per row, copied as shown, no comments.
8:20
